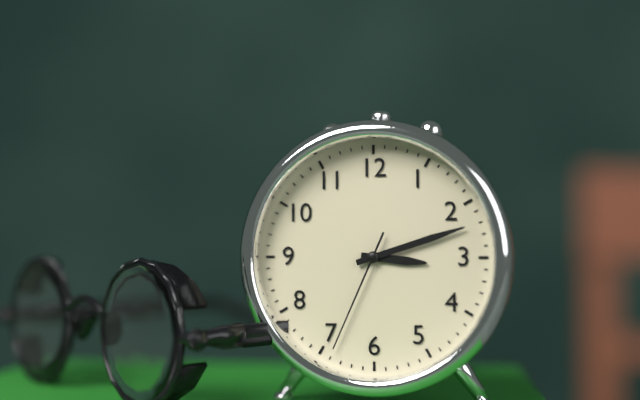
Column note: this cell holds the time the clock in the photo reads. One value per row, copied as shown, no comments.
3:12:34
